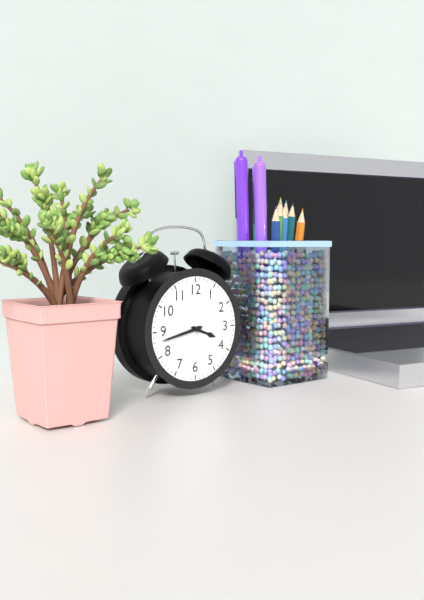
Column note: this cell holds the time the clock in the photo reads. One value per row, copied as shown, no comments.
3:43
